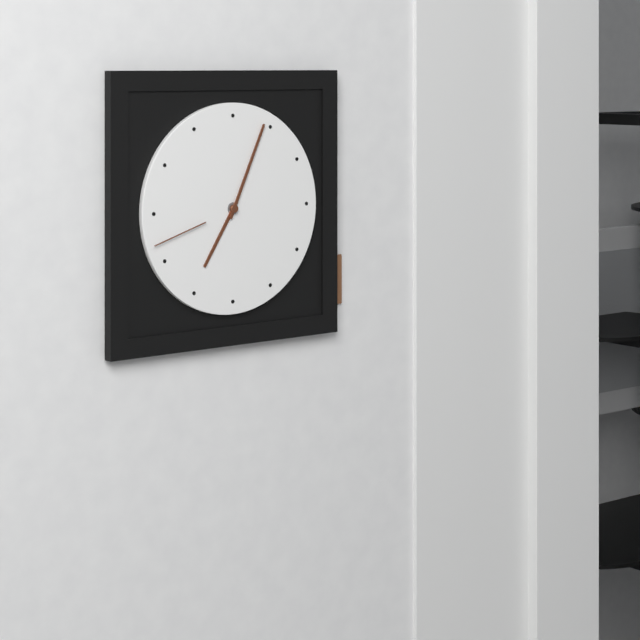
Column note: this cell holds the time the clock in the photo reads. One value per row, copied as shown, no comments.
7:04:42
